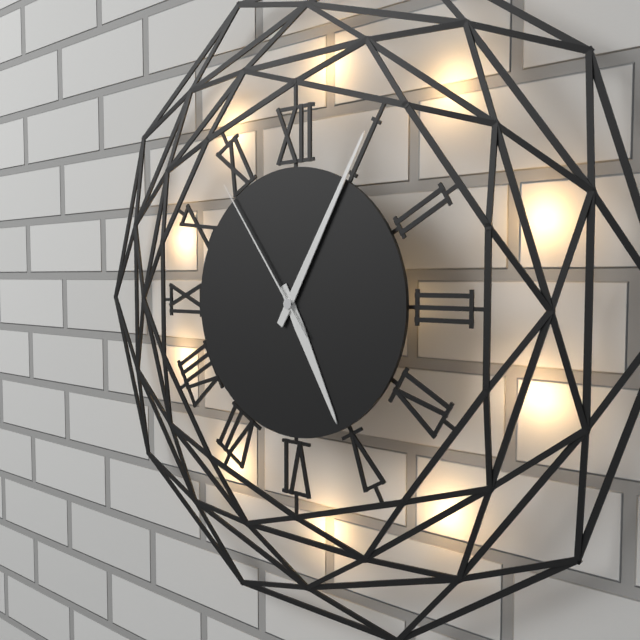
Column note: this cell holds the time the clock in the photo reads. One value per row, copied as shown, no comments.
5:05:54
